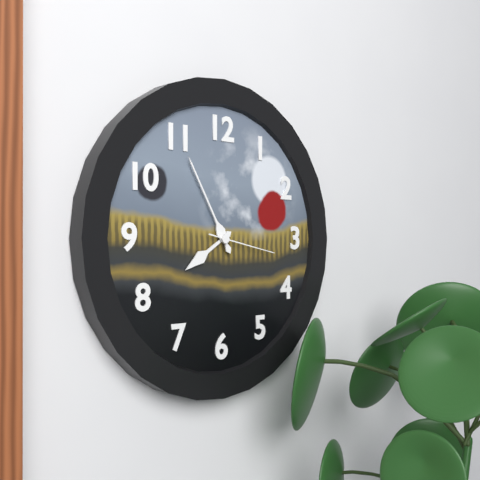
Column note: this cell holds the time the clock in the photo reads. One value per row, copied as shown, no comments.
7:55:17
